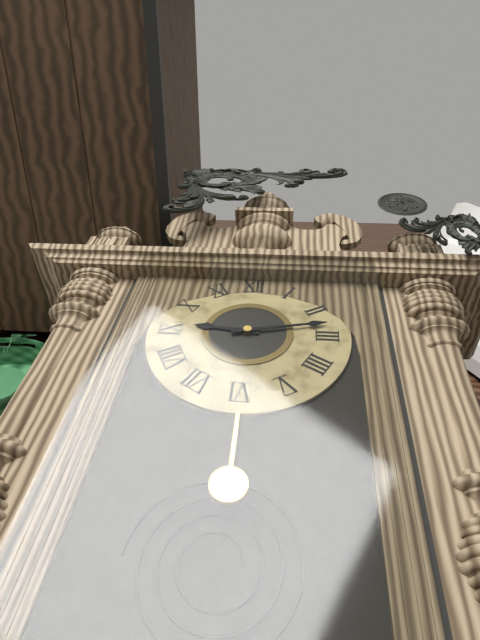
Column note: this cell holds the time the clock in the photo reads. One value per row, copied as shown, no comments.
9:13
